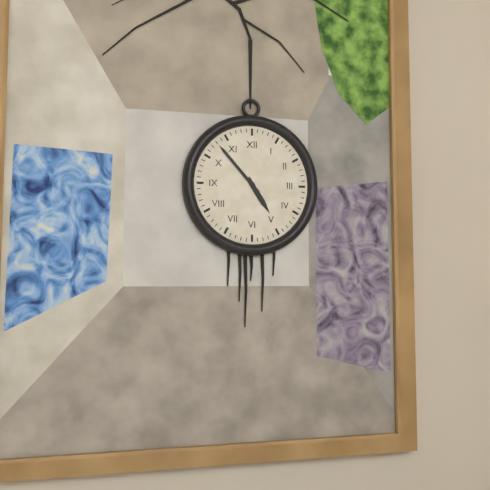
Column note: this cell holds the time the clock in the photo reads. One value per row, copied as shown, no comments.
4:53
